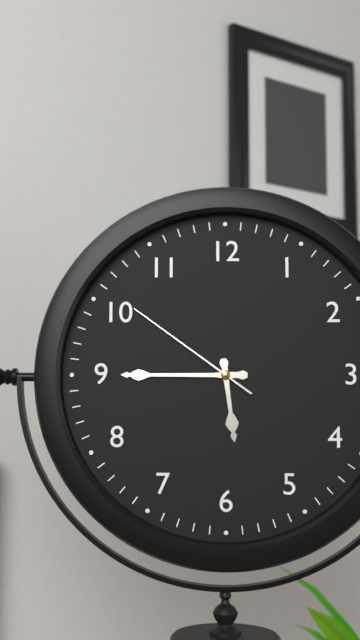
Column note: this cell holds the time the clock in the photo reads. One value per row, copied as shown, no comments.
5:45:51
